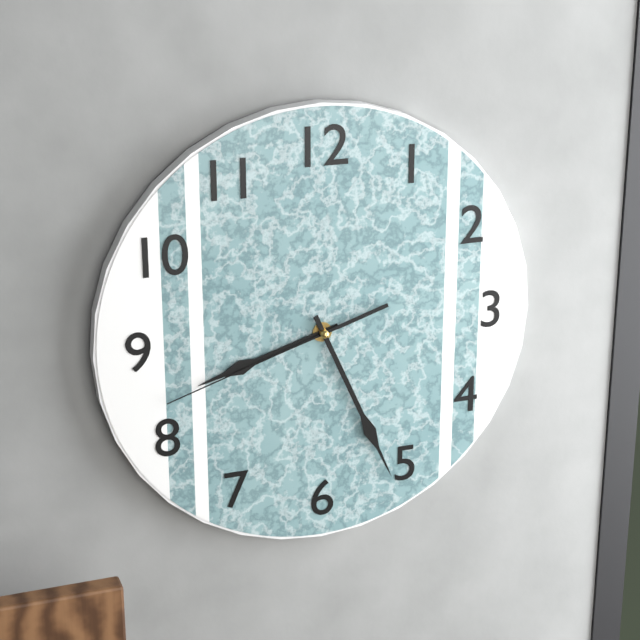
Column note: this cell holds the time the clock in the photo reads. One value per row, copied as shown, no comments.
8:26:42
